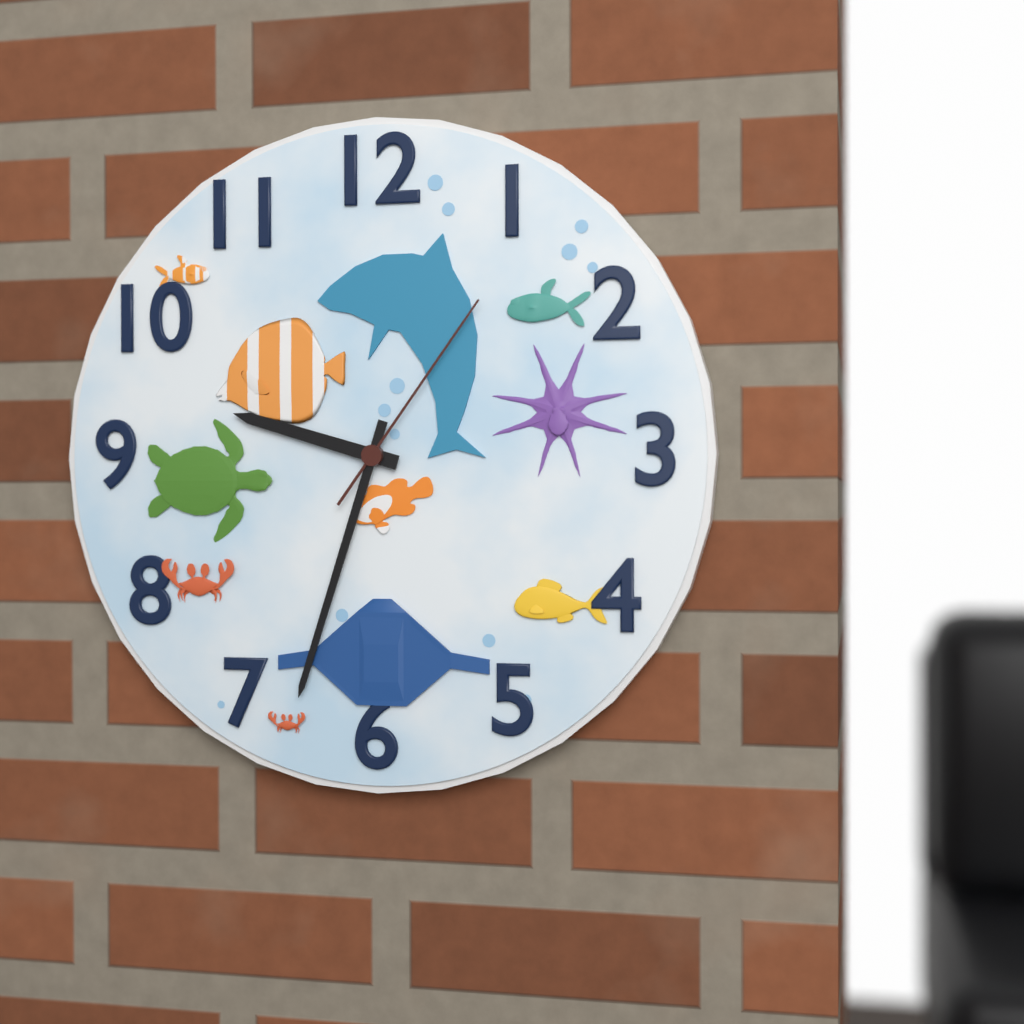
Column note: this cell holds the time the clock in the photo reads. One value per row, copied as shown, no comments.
9:33:06
